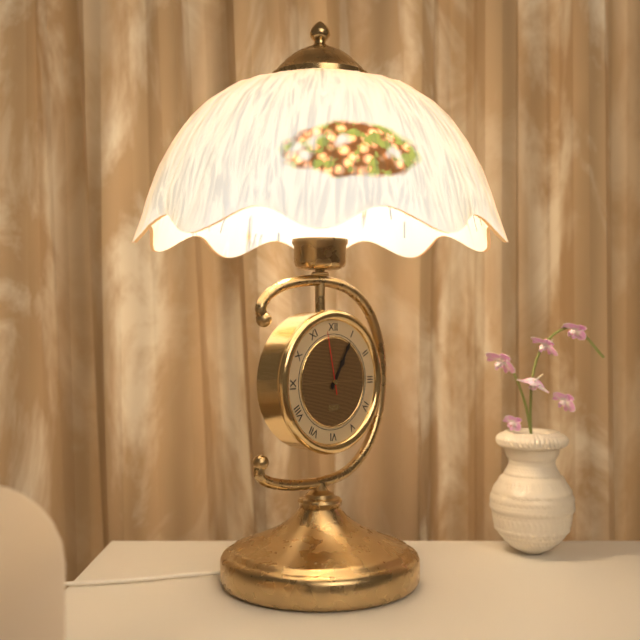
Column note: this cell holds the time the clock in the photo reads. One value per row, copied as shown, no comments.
1:05:58
